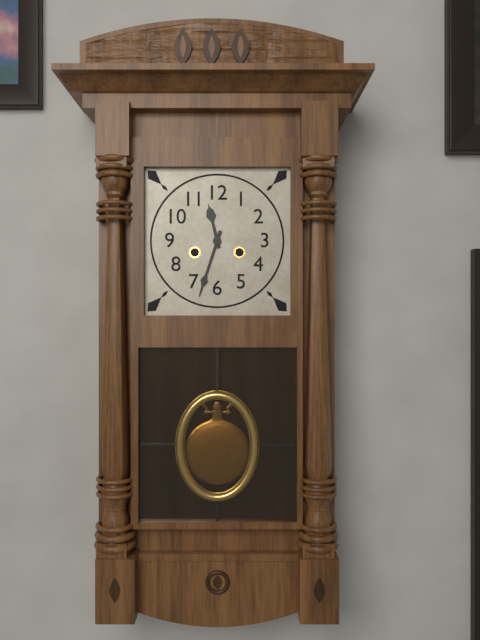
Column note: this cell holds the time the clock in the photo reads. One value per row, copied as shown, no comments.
11:33
